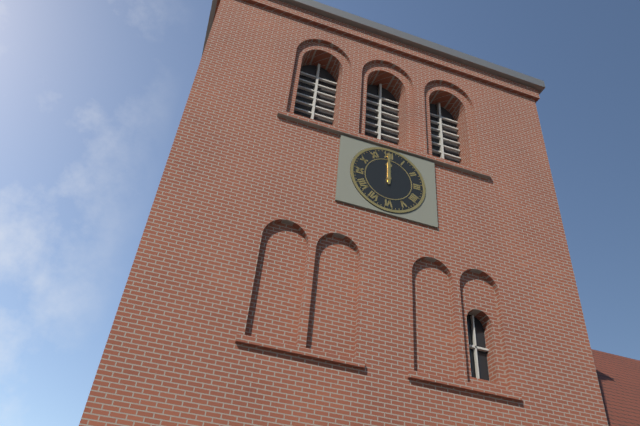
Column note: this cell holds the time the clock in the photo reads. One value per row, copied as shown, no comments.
12:00
